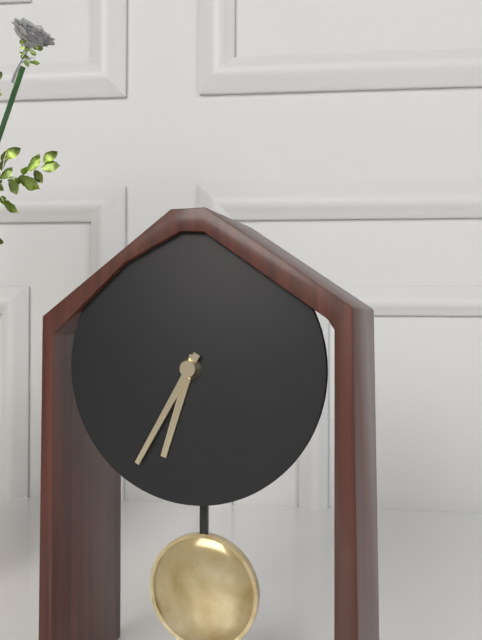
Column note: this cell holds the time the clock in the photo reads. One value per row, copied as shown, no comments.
6:35
